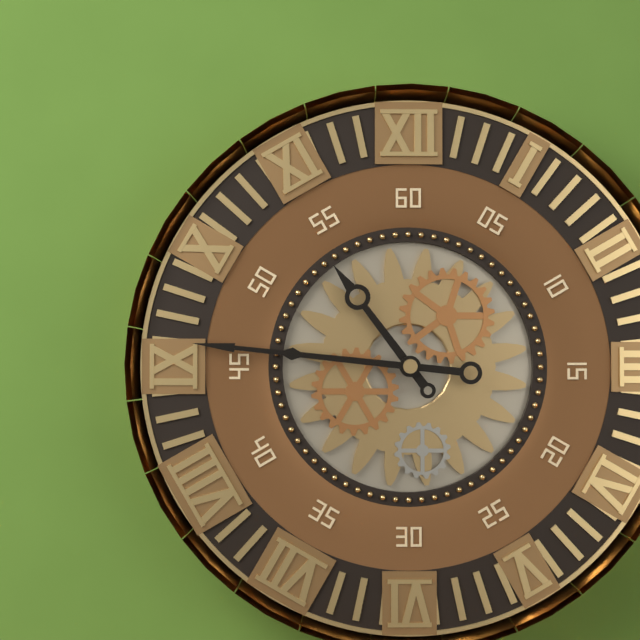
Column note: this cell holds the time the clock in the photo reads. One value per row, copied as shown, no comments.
10:46
